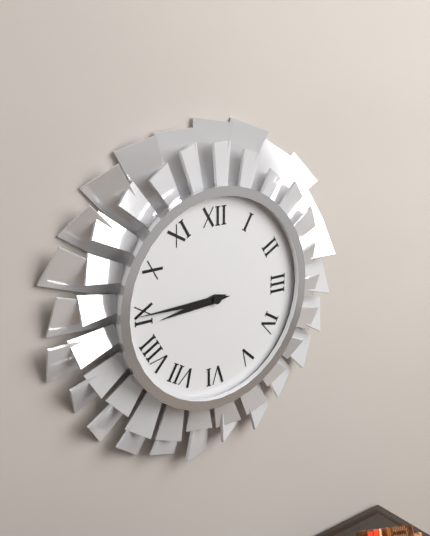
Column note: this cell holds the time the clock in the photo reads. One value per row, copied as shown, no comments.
8:45
